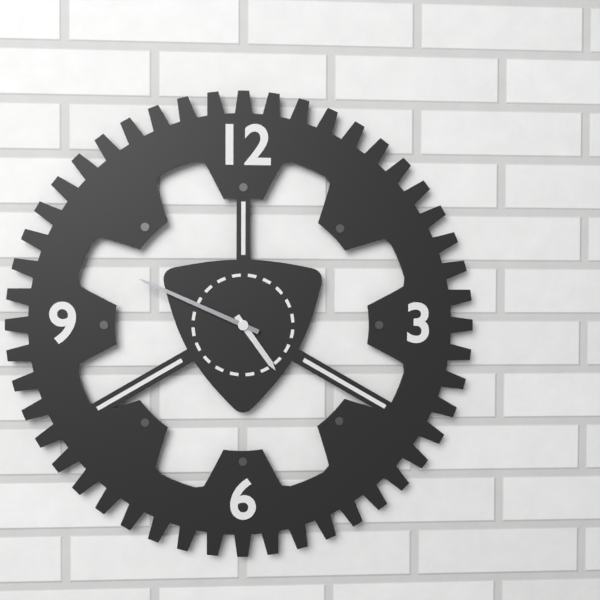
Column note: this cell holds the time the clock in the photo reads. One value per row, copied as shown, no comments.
4:49
